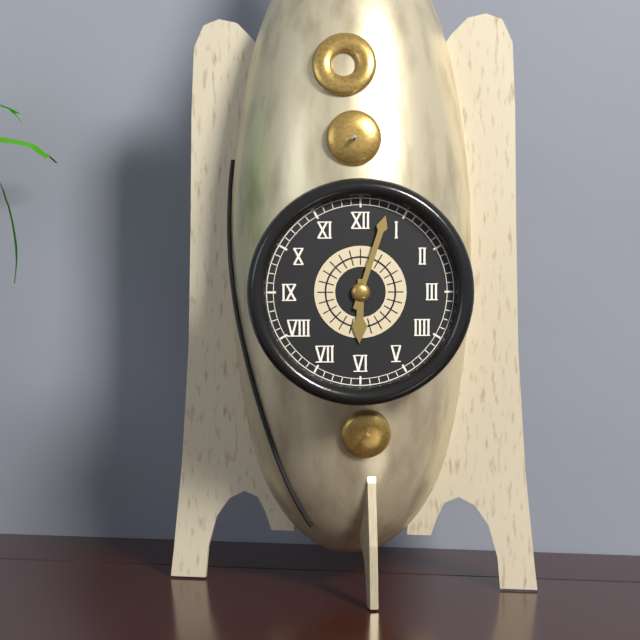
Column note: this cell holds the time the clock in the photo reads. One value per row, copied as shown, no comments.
6:03
